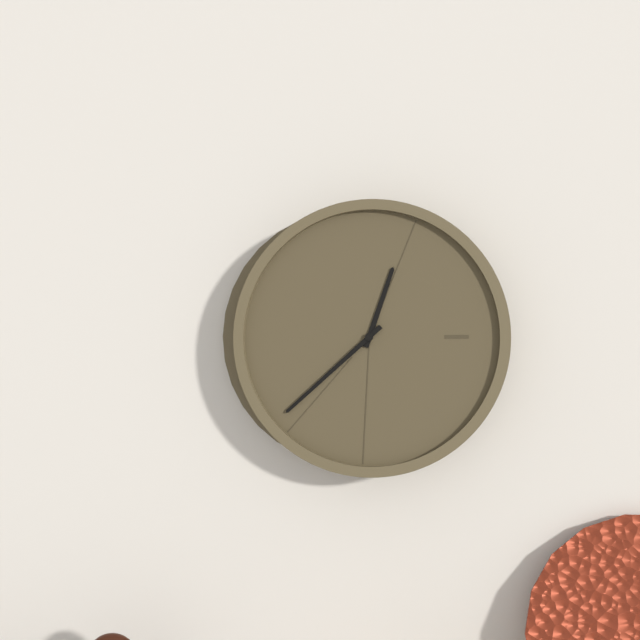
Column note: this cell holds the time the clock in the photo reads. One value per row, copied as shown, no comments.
12:38
